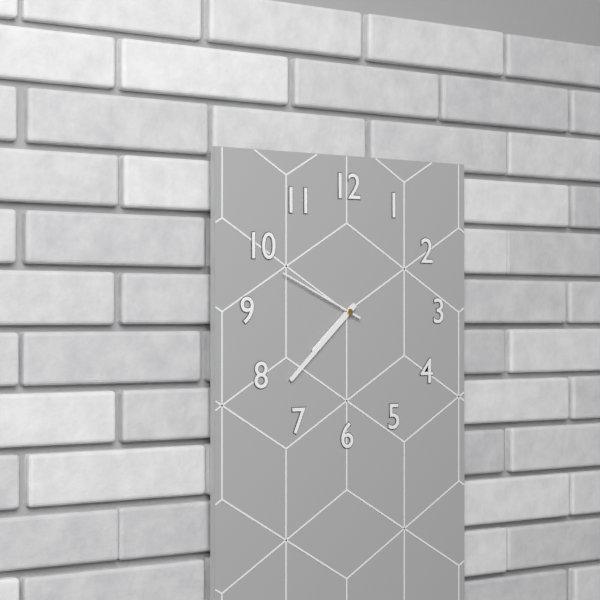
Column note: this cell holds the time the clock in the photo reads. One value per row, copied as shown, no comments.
7:38:49
